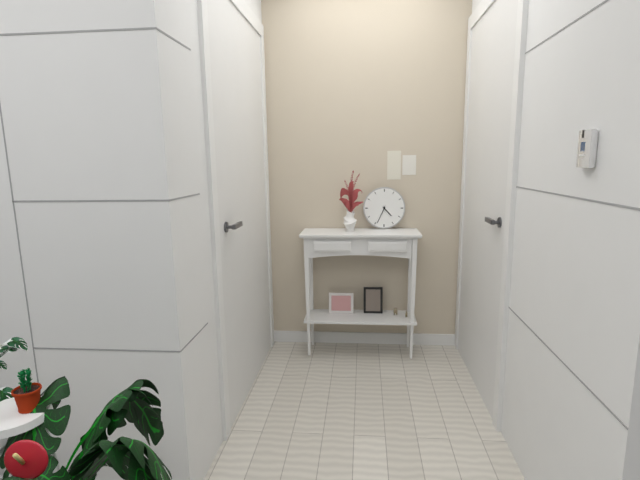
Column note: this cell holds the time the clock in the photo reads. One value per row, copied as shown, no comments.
4:34
